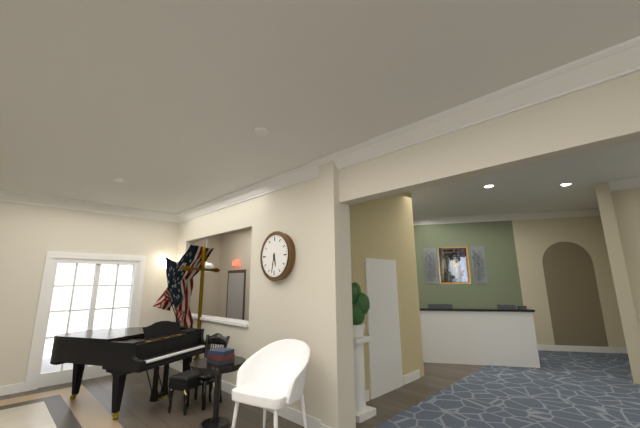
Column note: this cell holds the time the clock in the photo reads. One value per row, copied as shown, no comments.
5:32
